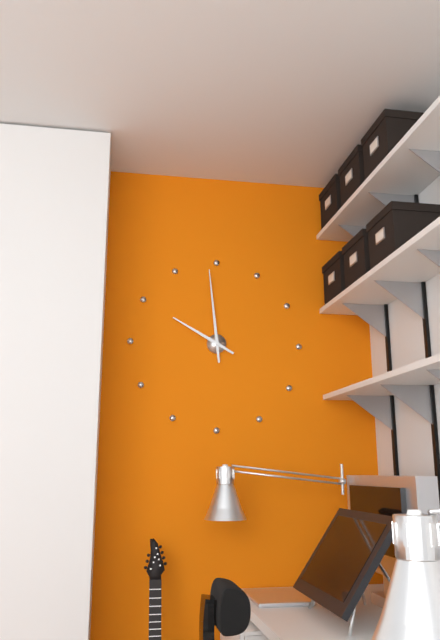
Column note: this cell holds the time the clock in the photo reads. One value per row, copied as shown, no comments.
9:59
